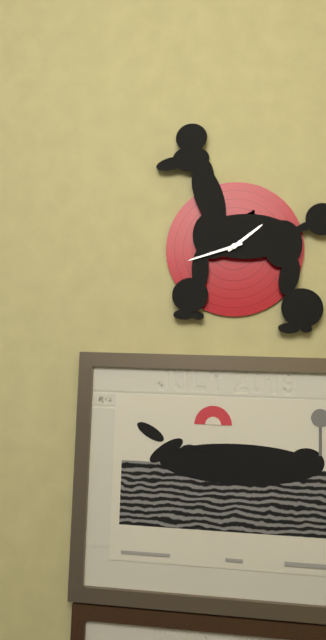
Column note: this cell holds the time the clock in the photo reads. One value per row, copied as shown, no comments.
1:42
